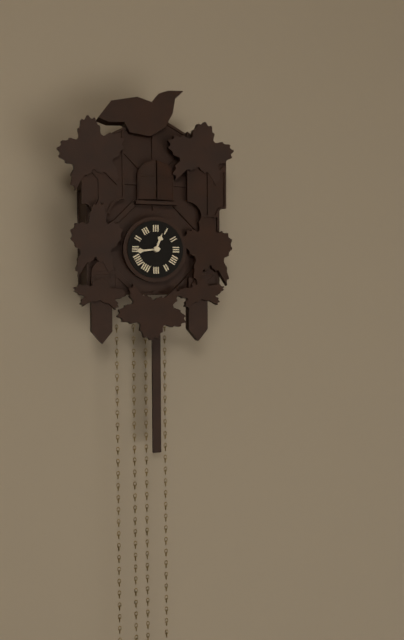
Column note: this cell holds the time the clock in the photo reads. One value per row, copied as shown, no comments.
12:44
